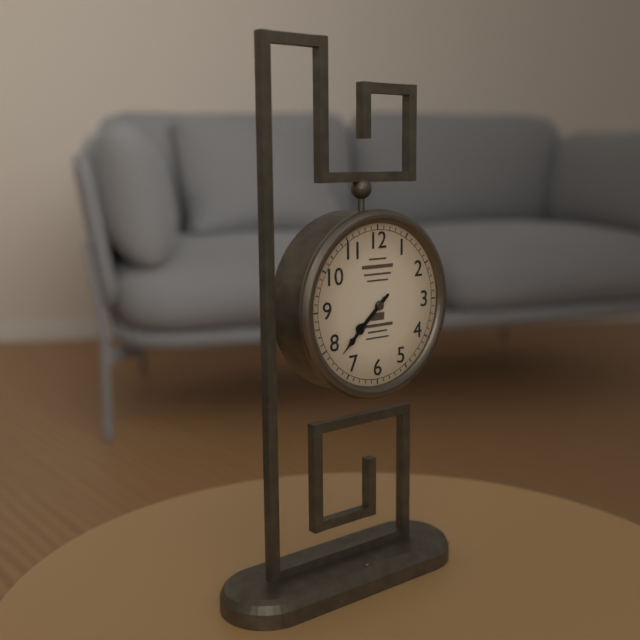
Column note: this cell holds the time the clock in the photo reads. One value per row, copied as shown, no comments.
7:38
